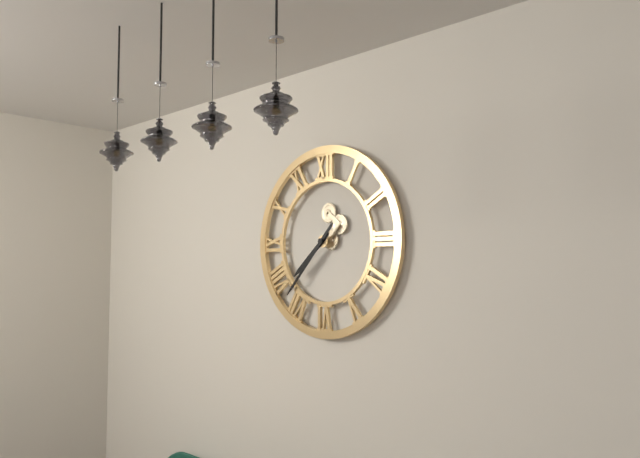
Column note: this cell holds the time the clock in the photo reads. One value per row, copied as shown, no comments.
7:37
